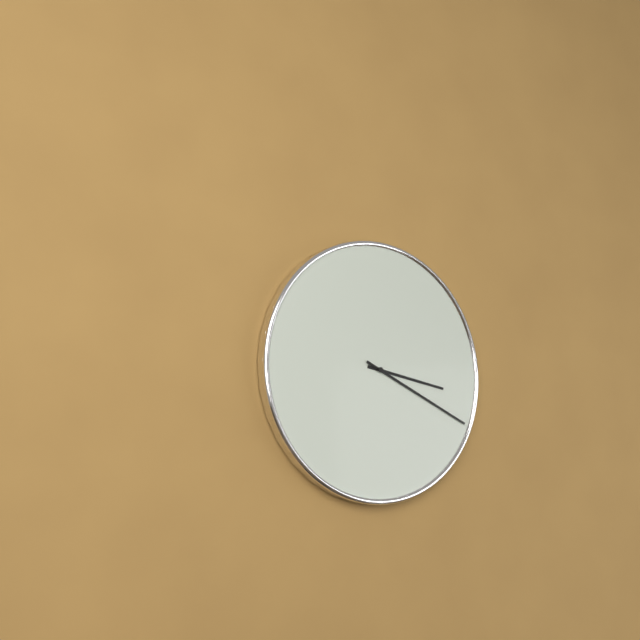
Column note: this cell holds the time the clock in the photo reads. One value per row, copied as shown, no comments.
3:19
